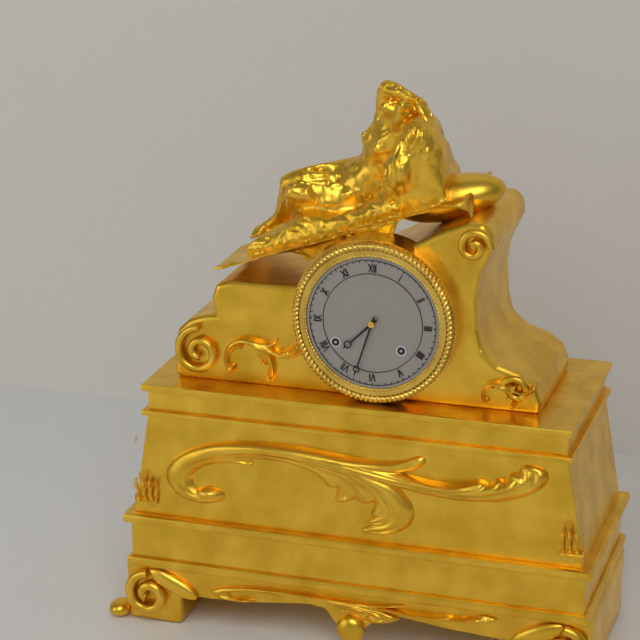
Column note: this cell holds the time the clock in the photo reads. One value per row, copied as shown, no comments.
7:33
